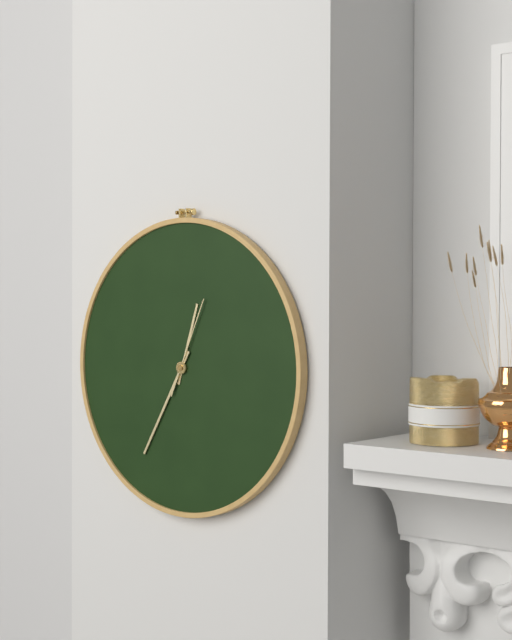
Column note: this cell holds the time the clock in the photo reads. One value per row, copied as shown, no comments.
12:35:04
